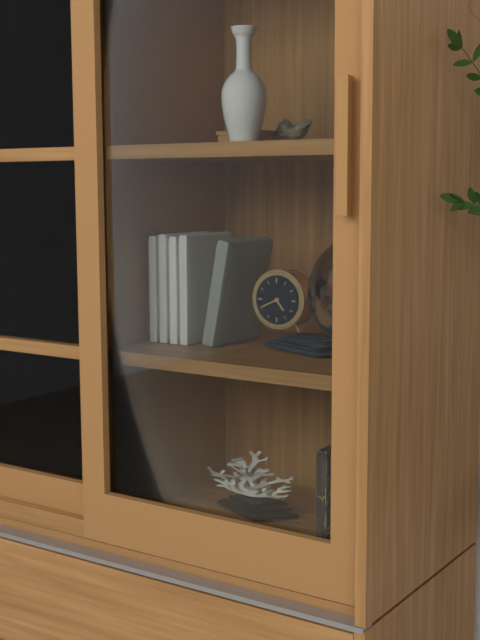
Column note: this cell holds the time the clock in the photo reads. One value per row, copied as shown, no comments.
4:41
